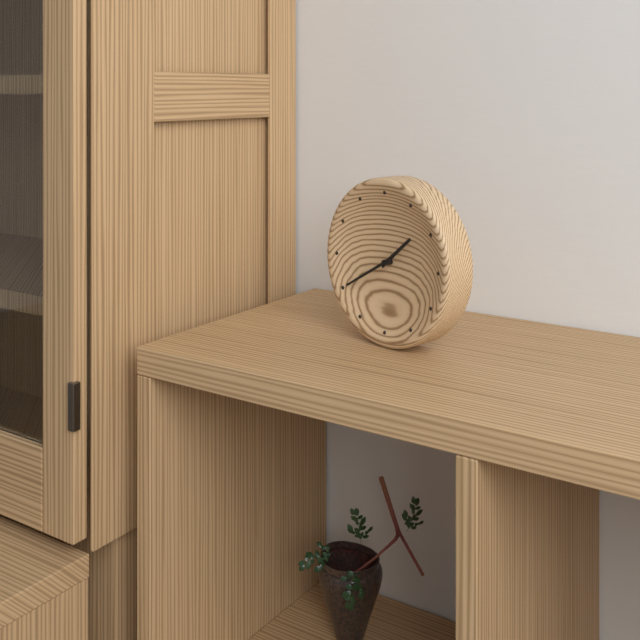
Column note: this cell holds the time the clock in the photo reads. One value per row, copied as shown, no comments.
1:40
